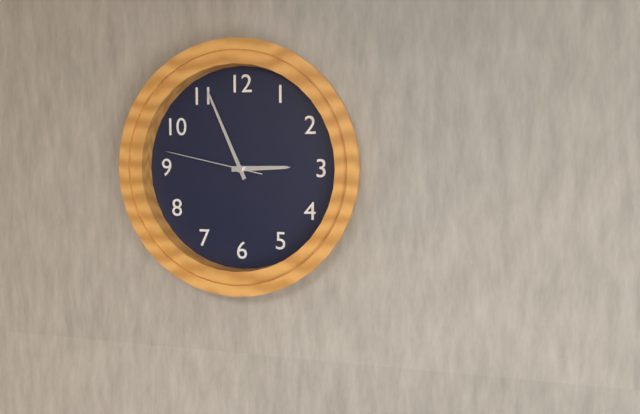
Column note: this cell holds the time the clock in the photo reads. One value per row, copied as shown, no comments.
2:56:47
